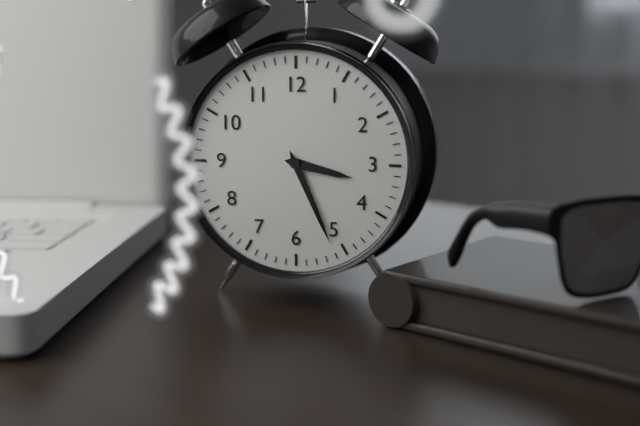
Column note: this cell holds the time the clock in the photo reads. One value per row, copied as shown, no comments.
3:26
